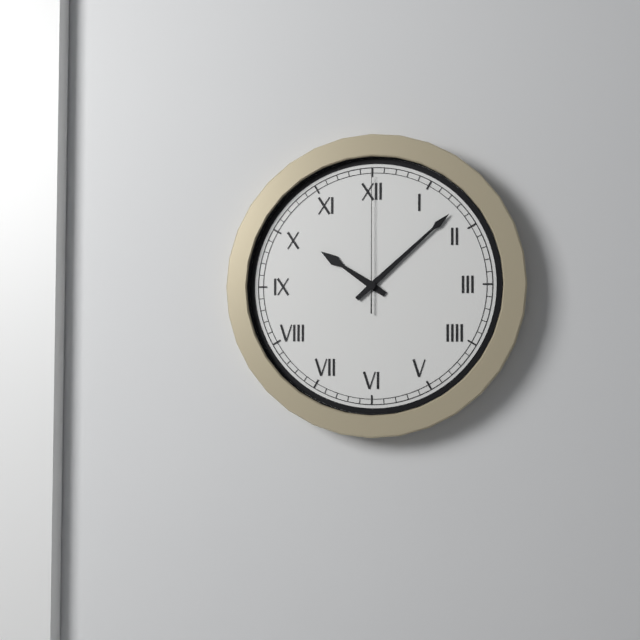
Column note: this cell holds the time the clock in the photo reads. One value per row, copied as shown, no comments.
10:08:00
